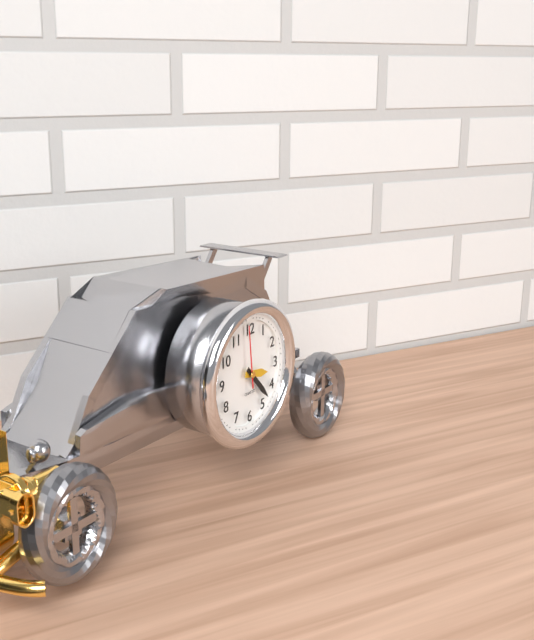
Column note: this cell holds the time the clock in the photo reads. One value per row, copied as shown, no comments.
3:23:59
